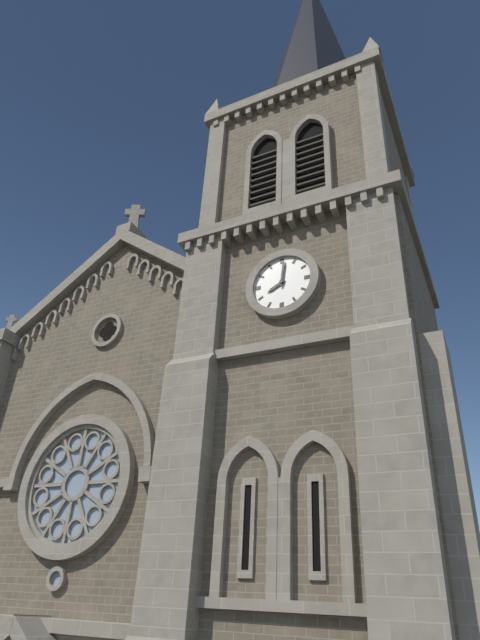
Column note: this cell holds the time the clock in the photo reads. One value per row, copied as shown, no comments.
8:01
